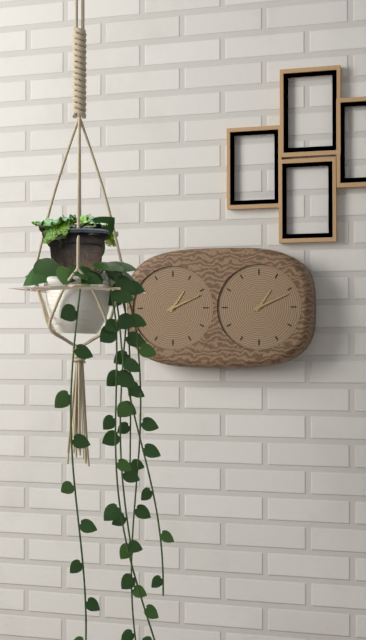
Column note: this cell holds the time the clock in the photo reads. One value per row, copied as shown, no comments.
1:11
